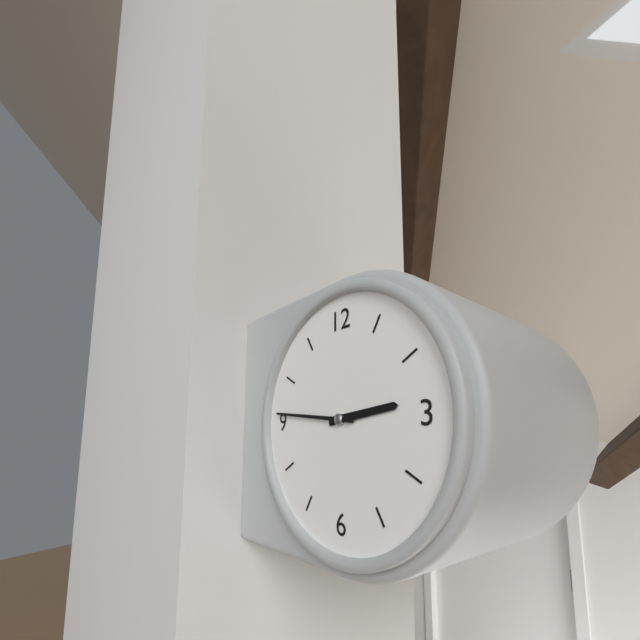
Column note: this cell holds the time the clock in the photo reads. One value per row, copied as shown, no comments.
2:46
